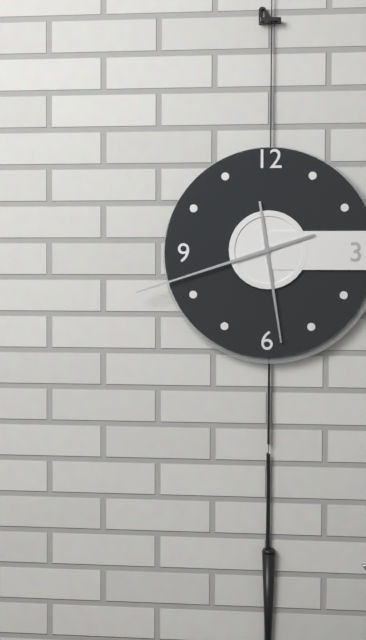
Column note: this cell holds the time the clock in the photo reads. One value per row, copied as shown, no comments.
5:42
